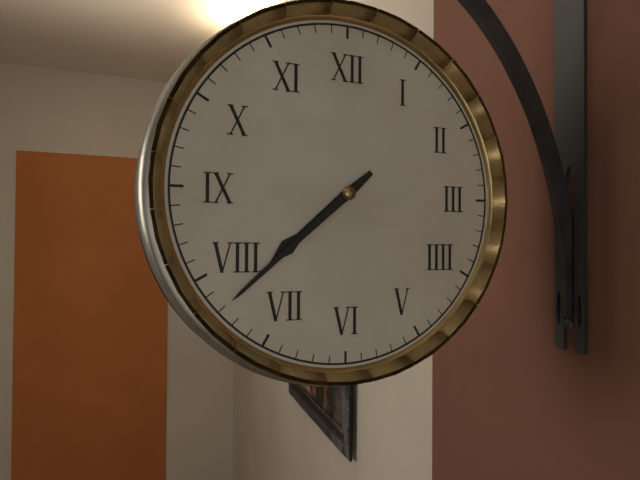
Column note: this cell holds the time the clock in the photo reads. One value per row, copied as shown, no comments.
7:38
